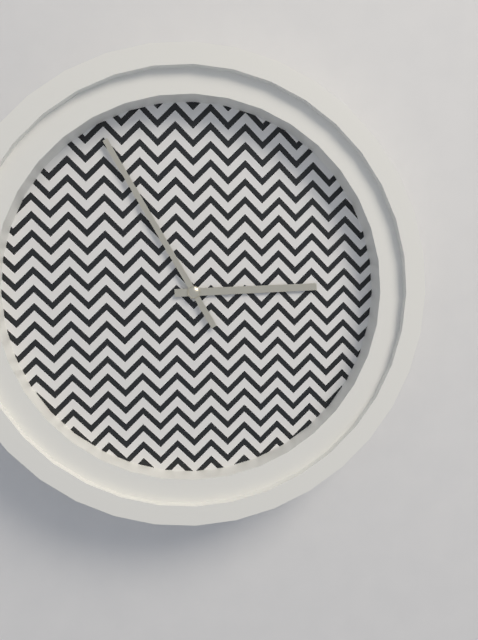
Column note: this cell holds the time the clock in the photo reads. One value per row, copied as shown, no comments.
2:55
